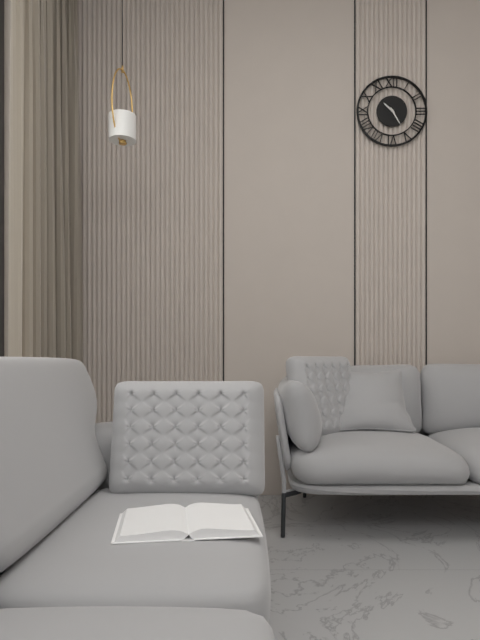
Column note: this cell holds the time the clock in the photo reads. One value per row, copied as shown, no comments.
10:25
